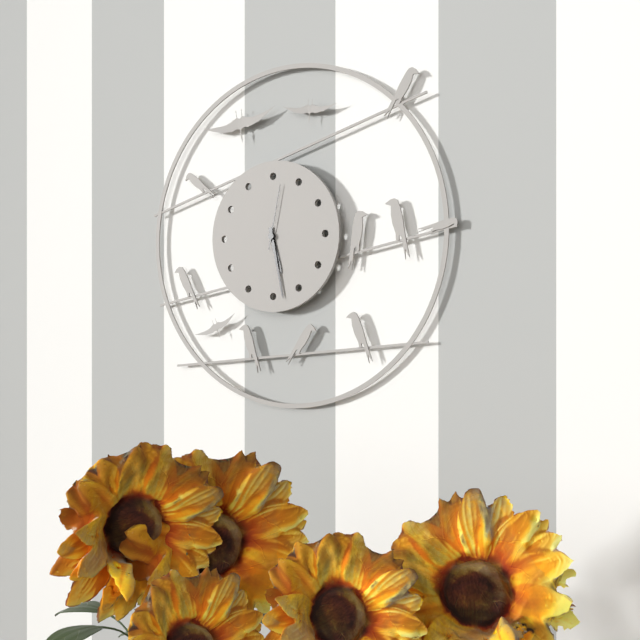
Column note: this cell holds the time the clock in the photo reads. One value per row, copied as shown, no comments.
5:28:02
